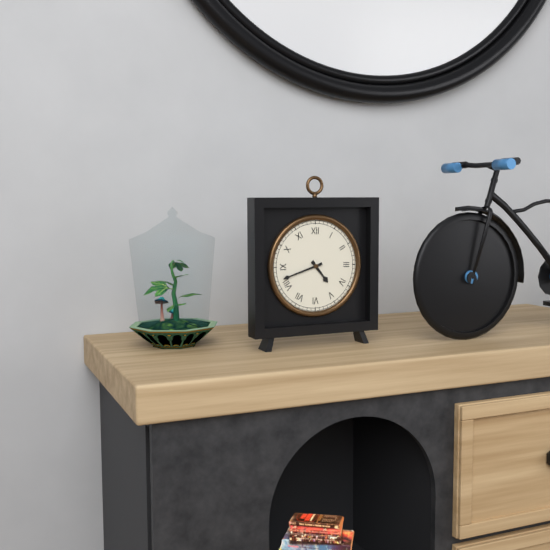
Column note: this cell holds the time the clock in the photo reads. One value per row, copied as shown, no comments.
4:42
